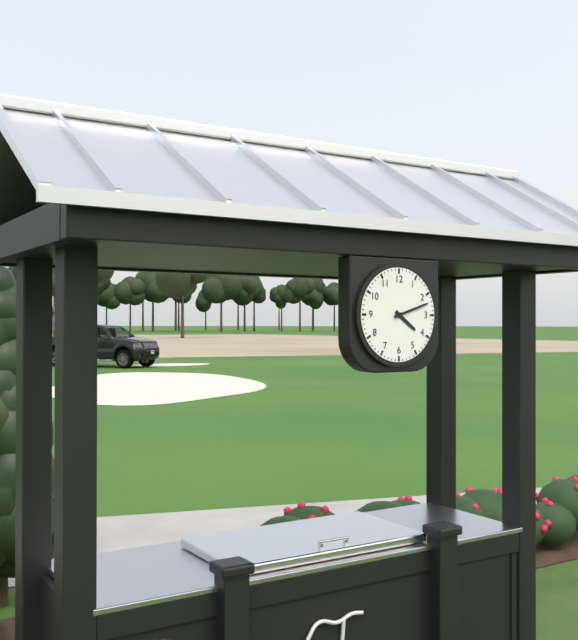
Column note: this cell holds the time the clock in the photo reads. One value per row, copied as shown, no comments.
4:12
